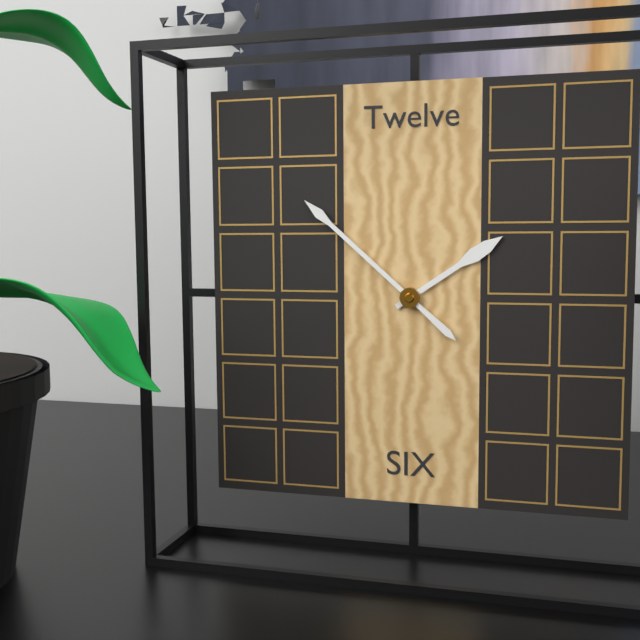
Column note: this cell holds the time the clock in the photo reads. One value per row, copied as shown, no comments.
1:52
